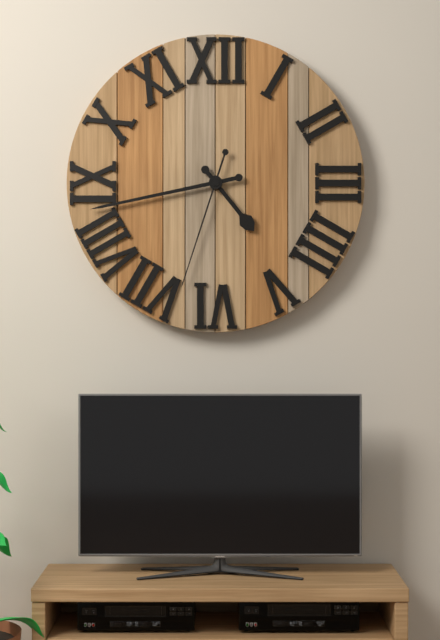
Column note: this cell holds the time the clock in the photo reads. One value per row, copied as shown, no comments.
4:43:33
